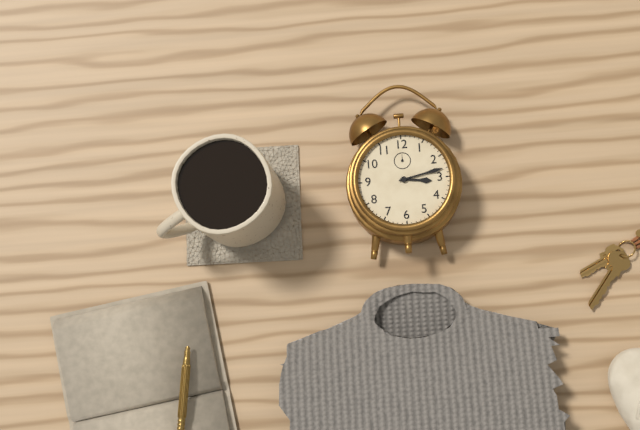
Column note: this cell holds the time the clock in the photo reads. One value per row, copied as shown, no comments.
3:13
